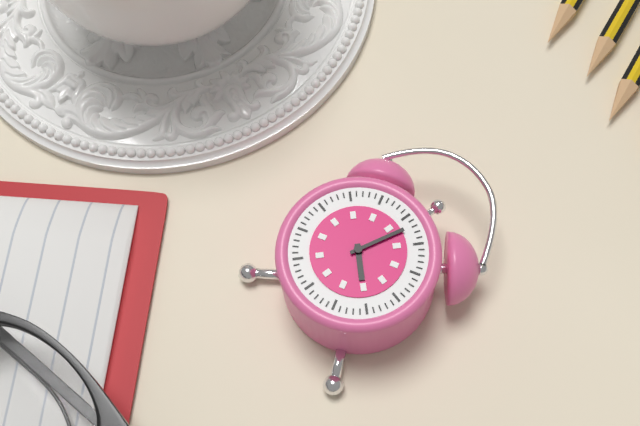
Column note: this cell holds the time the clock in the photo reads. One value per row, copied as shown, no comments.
4:02
